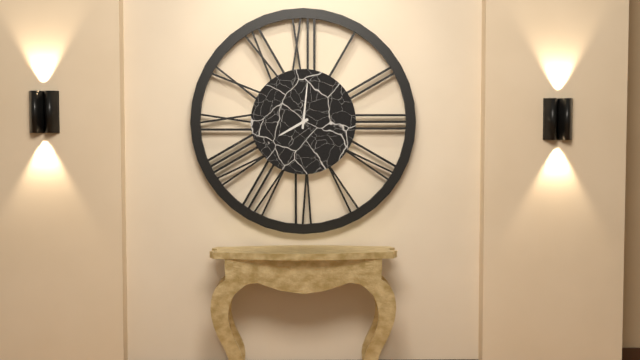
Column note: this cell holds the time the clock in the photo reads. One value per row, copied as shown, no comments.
8:01
